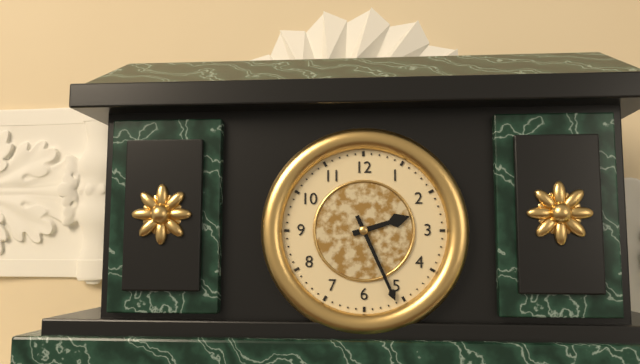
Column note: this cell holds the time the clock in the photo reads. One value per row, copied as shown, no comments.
2:26
